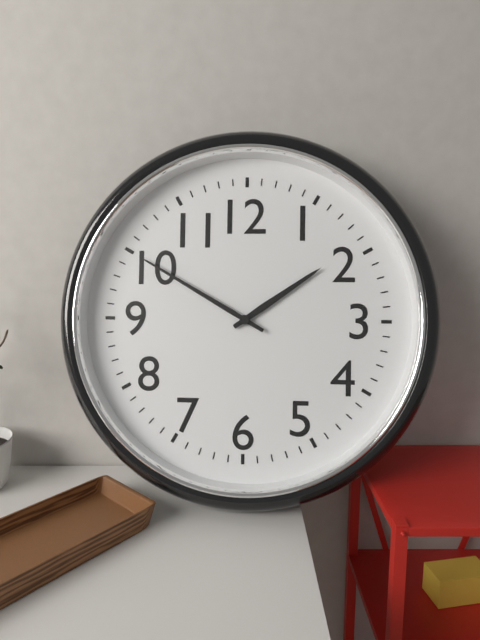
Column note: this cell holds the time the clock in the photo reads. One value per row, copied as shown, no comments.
1:50
